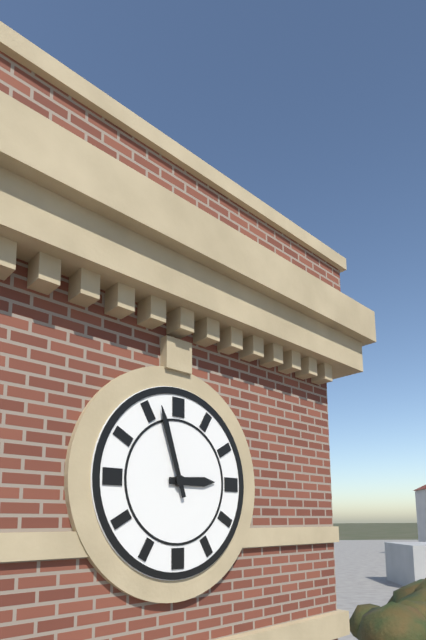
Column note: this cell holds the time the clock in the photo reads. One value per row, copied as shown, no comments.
2:57
